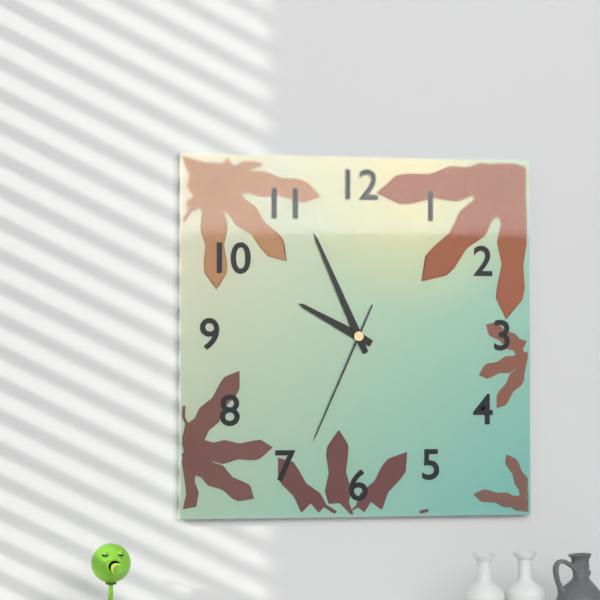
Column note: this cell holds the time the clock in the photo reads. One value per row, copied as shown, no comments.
9:56:34
